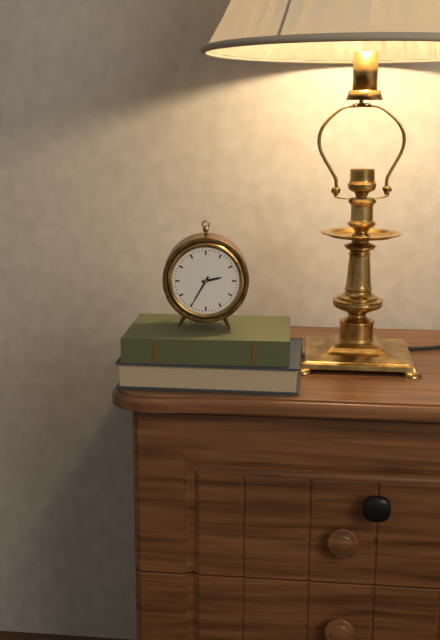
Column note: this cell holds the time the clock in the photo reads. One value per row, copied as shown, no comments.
2:35
